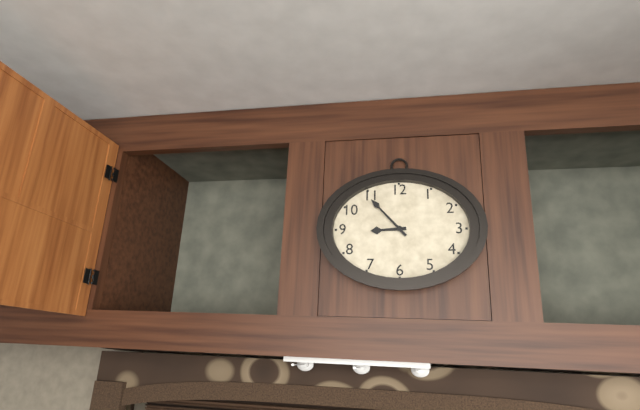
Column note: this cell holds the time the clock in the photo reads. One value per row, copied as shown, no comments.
8:53
